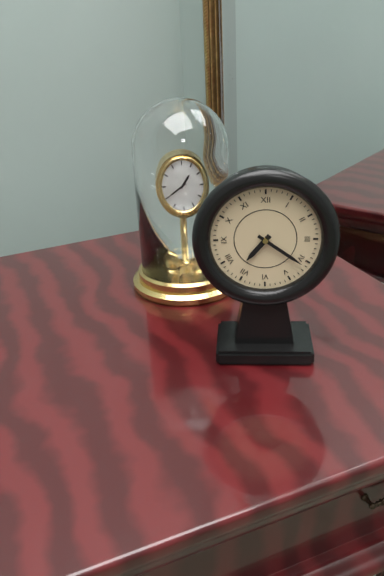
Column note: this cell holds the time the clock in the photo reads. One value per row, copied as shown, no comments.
7:21
